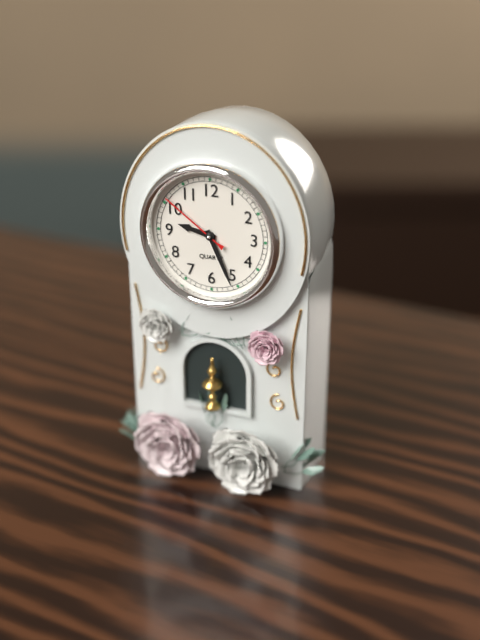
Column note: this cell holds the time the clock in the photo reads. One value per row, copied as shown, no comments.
9:26:51
